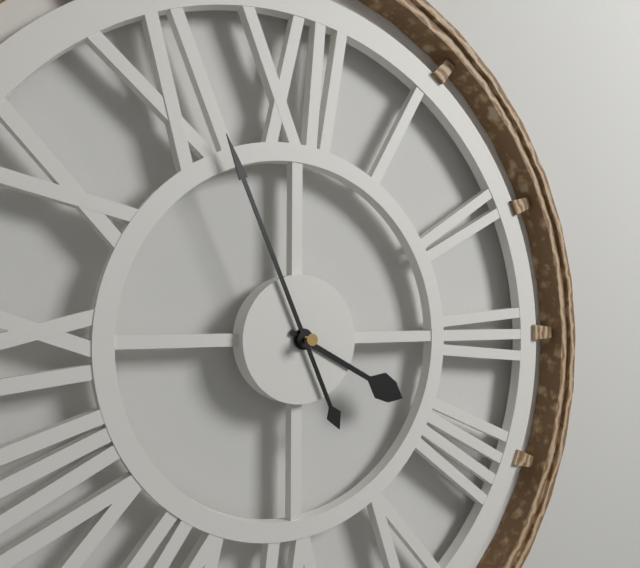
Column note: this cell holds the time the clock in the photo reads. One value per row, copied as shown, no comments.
3:56
